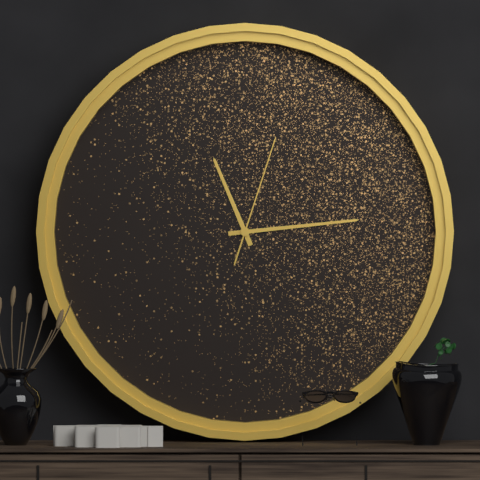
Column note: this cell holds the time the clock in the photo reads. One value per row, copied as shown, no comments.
11:14:03
